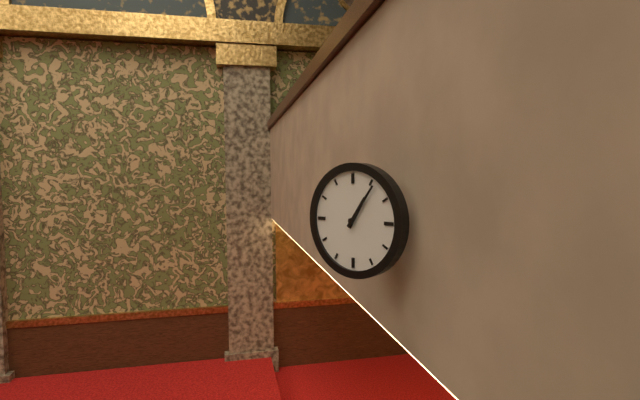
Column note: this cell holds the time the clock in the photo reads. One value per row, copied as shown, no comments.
1:06
